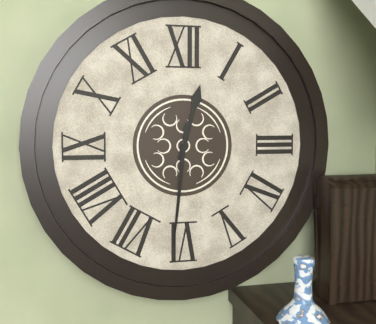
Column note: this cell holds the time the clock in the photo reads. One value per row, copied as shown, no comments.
12:31
